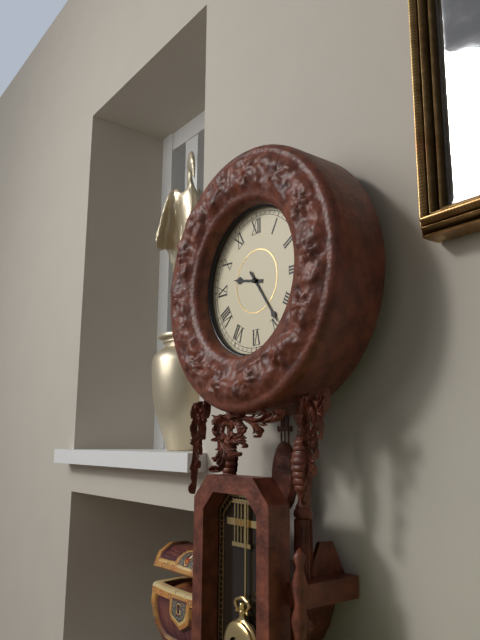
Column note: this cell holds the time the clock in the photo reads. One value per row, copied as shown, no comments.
9:24
